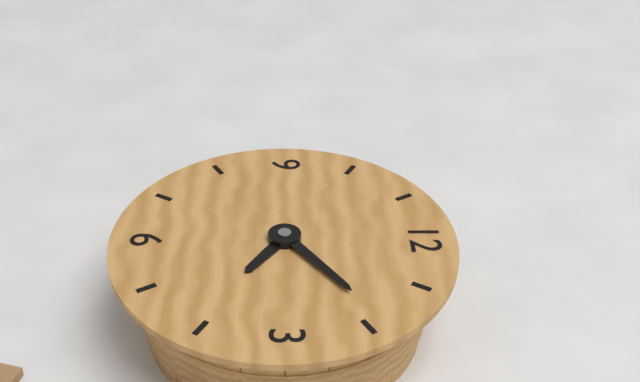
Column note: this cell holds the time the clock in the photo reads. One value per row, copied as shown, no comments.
4:09
